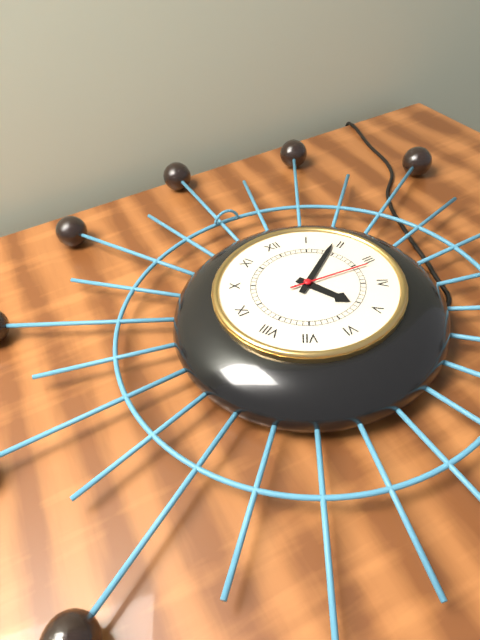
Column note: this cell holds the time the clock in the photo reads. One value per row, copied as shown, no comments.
5:09:16
